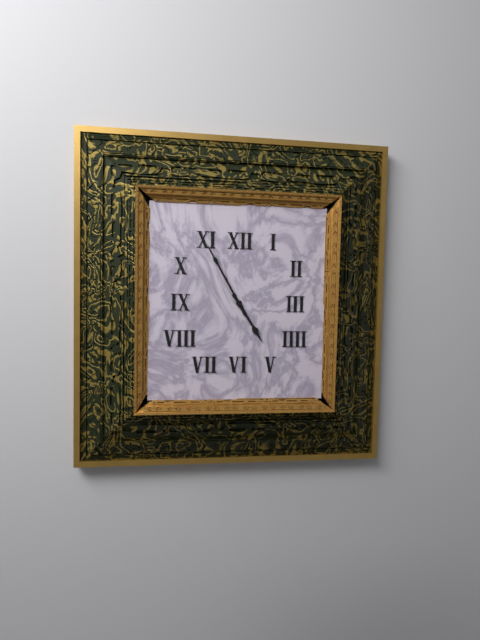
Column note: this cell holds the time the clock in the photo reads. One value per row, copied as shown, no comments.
4:55
